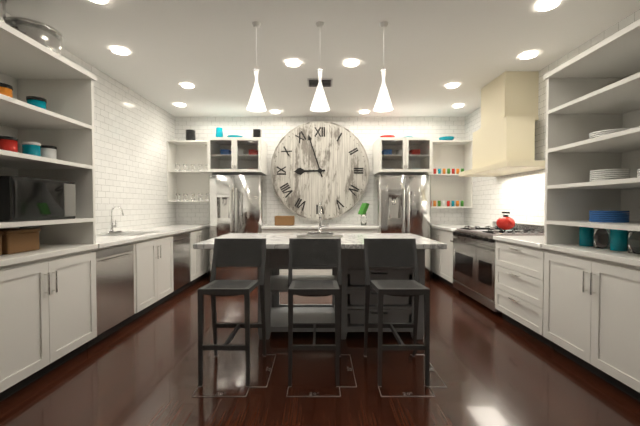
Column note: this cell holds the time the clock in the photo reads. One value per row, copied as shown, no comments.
8:57
